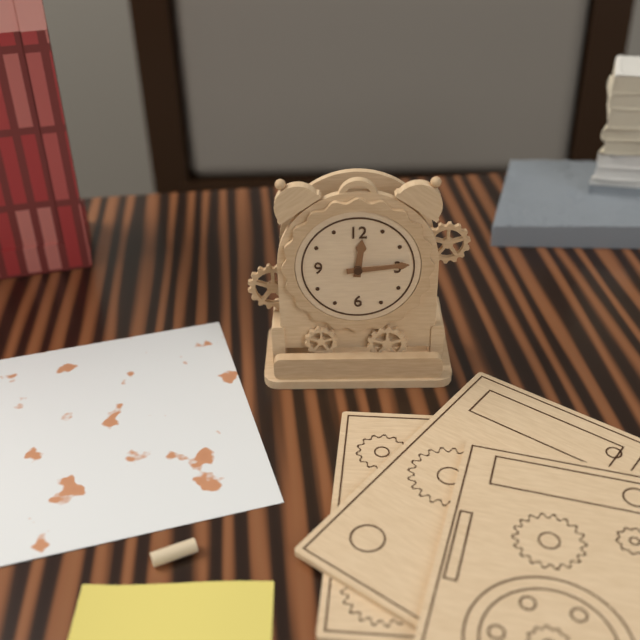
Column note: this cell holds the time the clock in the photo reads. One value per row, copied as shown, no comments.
12:14
